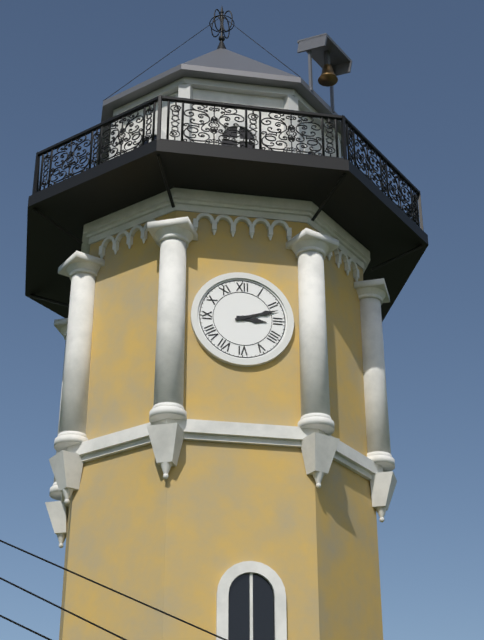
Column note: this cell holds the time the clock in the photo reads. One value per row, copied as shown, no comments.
3:12
